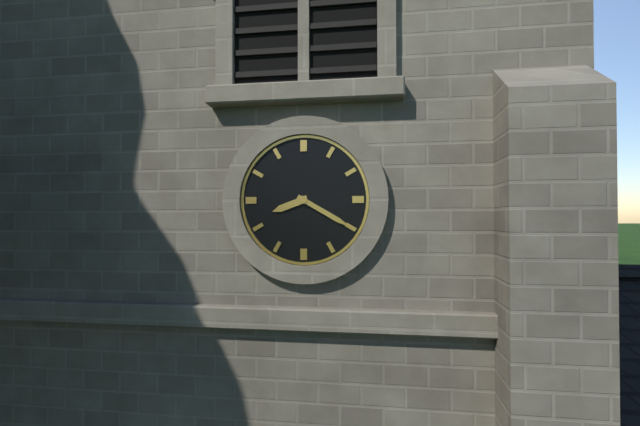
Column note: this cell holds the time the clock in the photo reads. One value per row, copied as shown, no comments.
8:20
